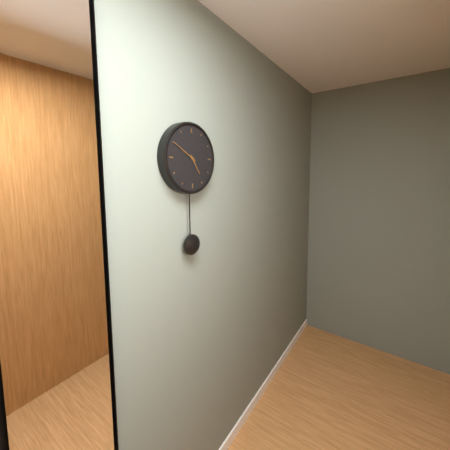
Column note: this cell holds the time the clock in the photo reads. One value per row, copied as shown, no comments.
4:50
